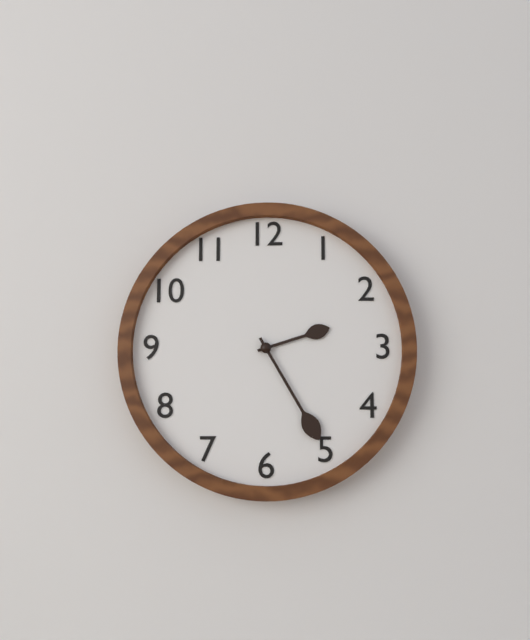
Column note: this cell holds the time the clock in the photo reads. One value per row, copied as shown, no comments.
2:25
